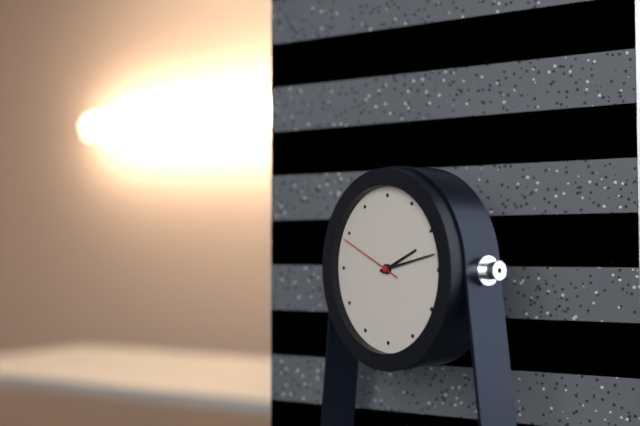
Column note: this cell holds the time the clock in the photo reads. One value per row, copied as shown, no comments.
2:13:49
